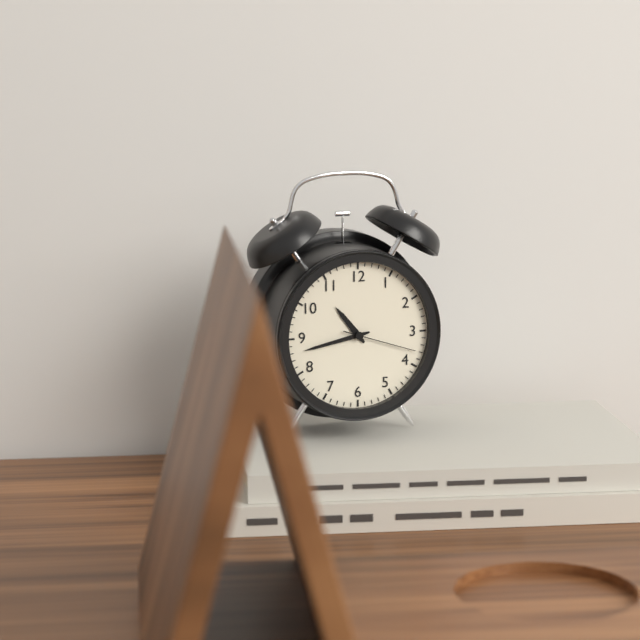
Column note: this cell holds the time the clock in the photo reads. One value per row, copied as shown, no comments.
10:43:18
